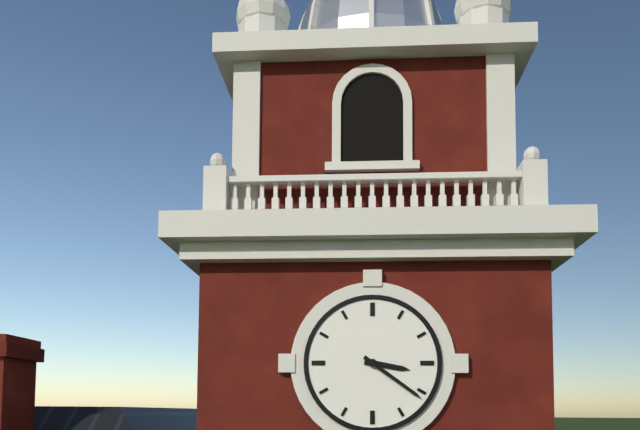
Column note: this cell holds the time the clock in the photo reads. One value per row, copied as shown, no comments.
3:21
